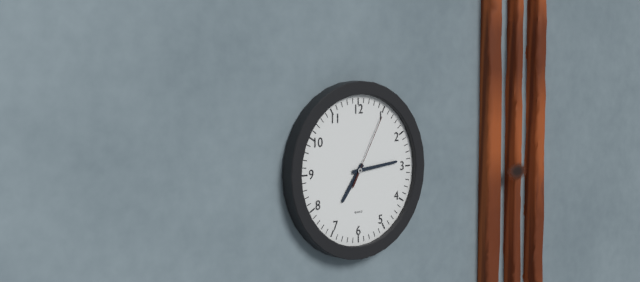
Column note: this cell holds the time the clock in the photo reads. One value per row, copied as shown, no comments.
7:14:05
